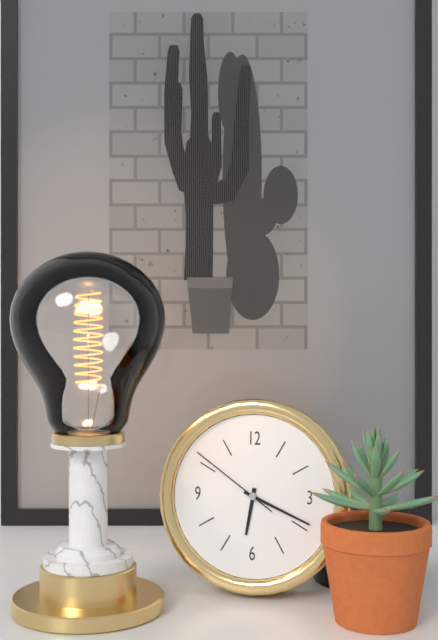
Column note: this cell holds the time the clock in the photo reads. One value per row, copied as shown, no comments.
6:19:51
